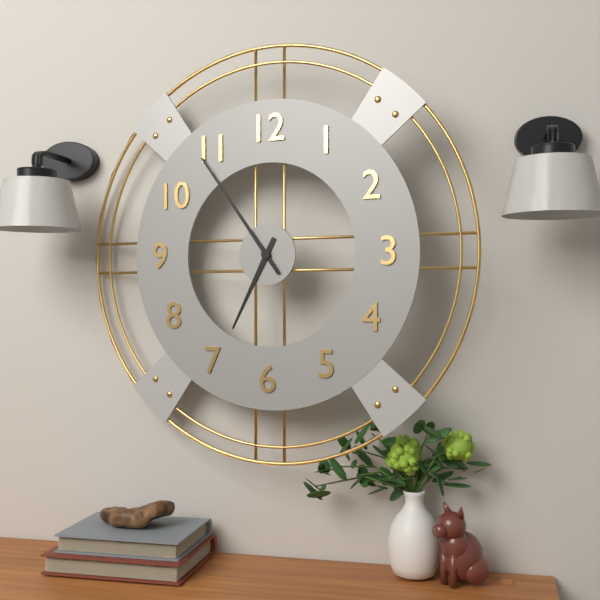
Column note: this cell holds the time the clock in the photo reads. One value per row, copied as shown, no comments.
6:54
